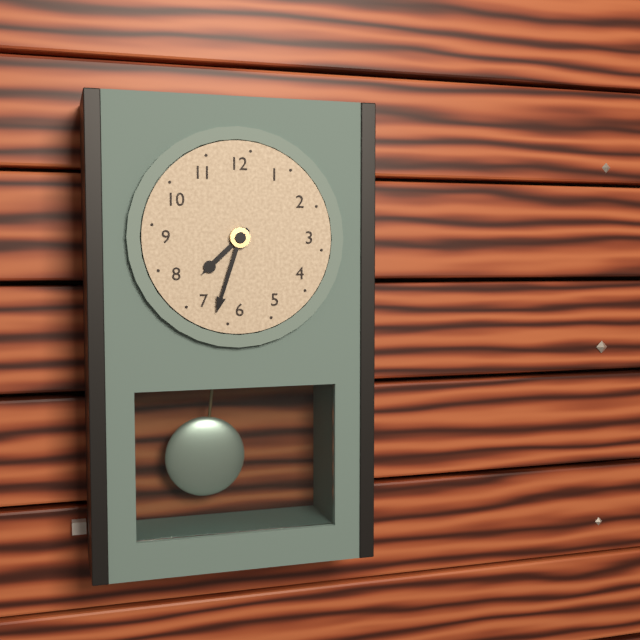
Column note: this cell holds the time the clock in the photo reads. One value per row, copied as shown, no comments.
7:33
